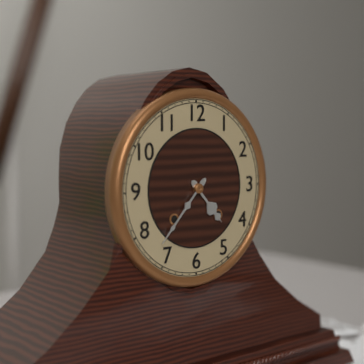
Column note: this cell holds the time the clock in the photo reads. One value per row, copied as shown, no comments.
4:37
